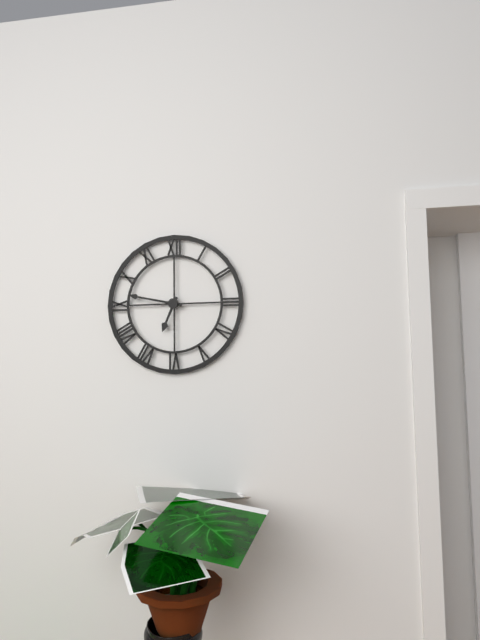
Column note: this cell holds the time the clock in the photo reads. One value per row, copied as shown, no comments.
6:47
